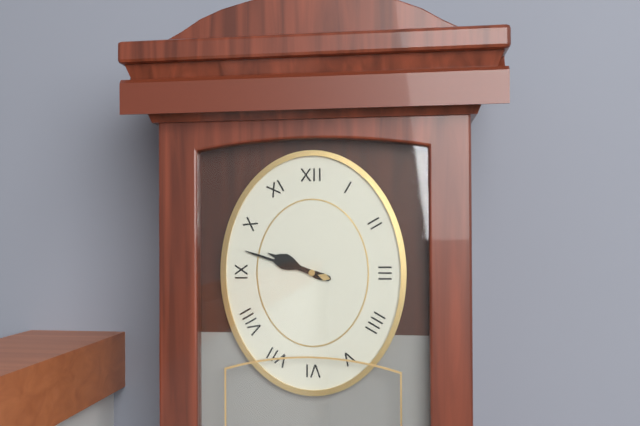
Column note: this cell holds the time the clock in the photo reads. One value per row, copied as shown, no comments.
9:48
